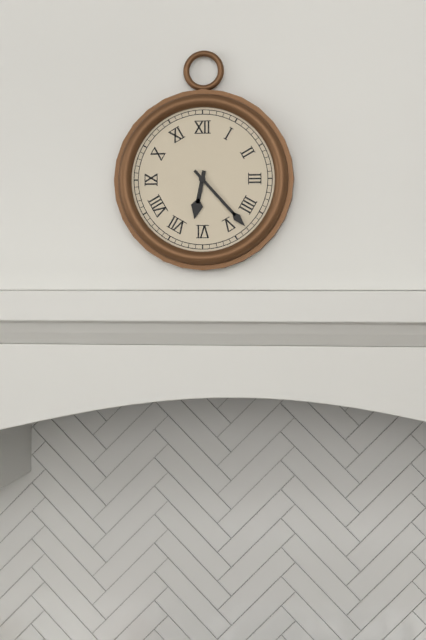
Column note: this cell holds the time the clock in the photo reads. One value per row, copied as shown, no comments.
6:23
